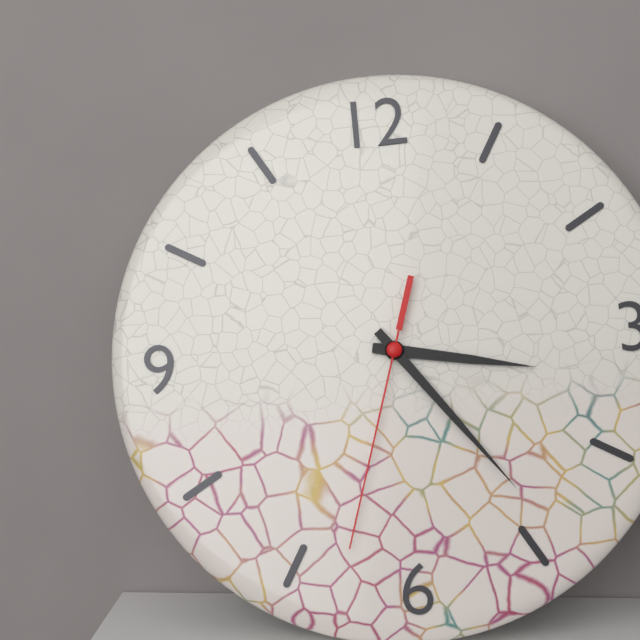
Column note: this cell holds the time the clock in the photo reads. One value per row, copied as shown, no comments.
3:24:33
